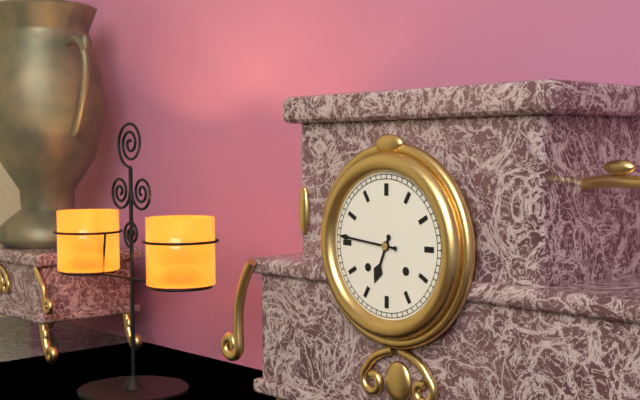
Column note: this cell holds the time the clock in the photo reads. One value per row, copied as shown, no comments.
6:46
